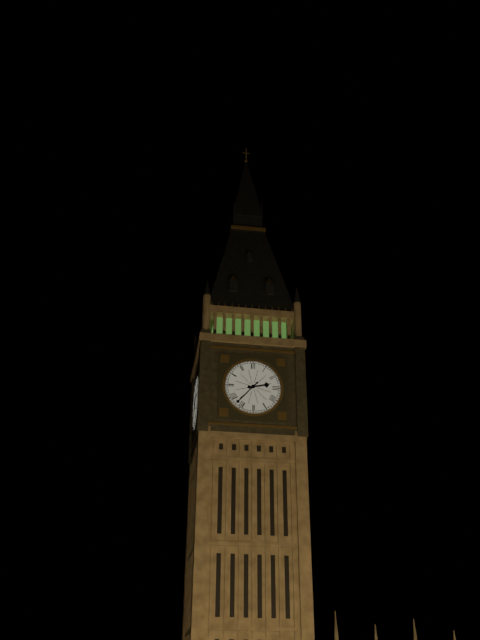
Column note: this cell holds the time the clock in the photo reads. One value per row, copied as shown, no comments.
2:37
